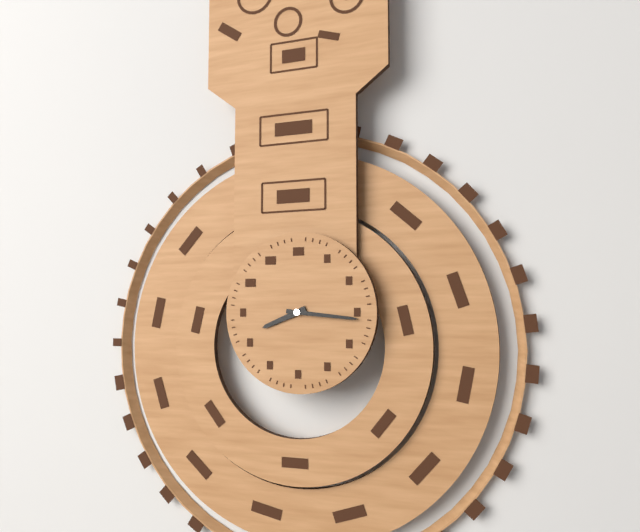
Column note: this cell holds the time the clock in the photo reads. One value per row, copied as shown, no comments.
8:16
